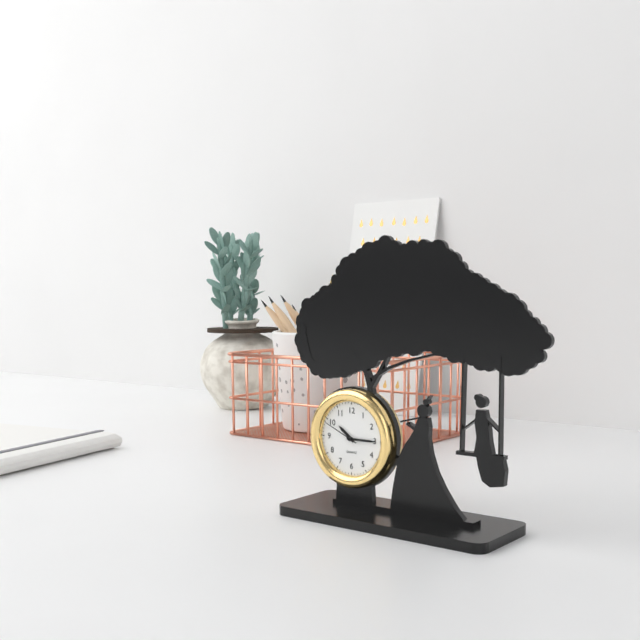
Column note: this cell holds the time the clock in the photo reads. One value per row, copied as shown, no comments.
10:15
